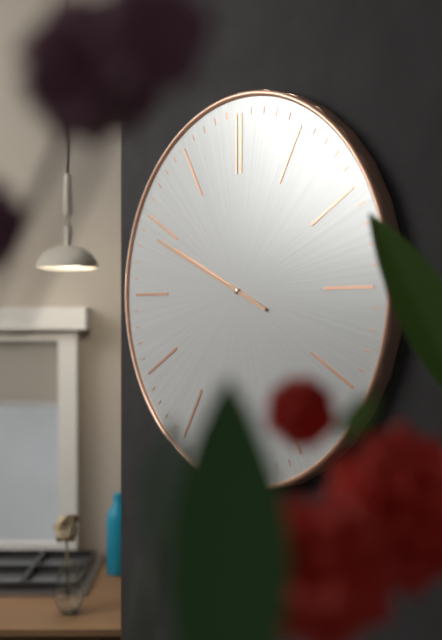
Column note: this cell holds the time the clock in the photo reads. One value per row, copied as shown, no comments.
9:49
